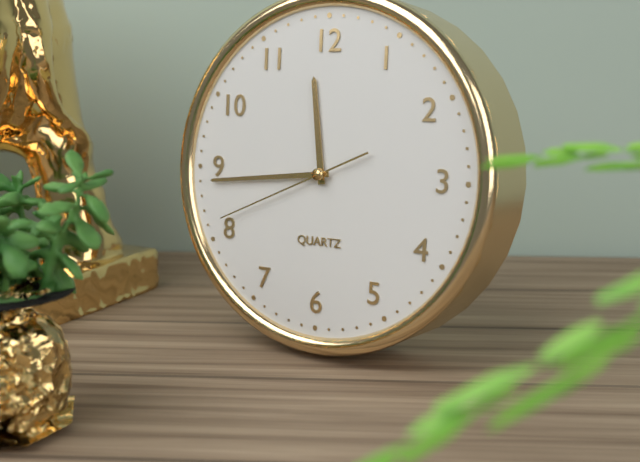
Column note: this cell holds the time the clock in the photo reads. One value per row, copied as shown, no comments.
11:44:41
